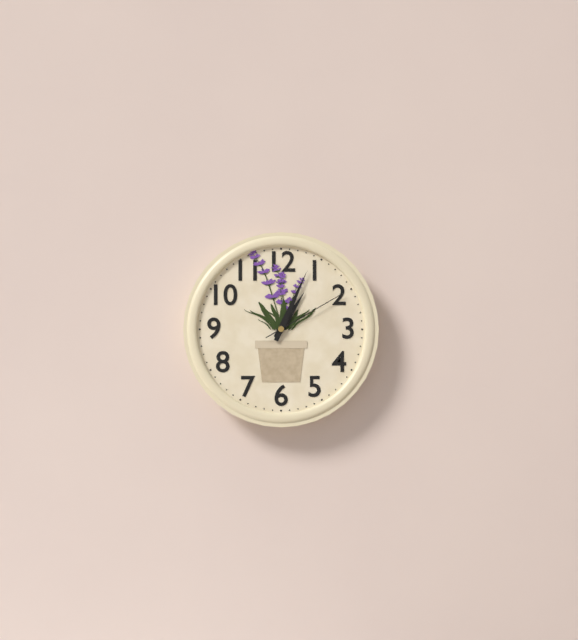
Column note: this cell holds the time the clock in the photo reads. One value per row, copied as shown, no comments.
1:04:10
